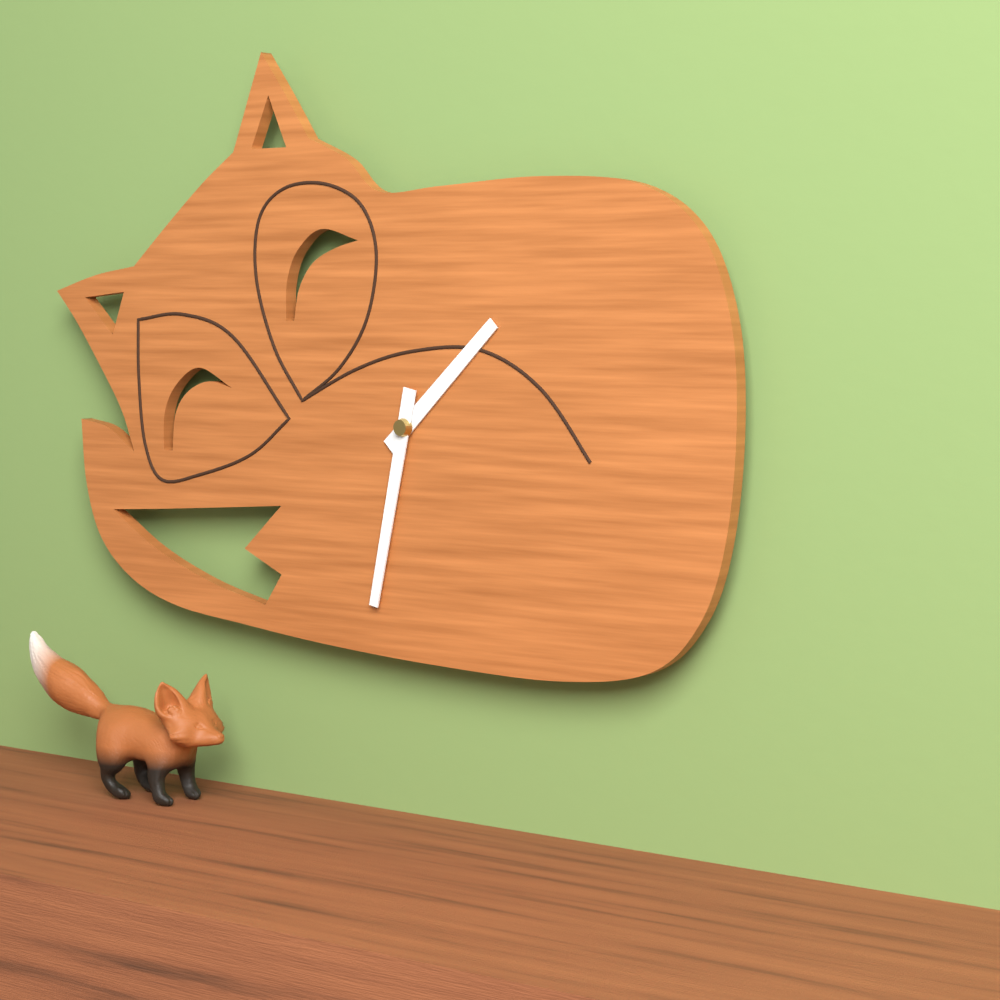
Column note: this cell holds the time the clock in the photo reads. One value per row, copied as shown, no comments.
1:32
